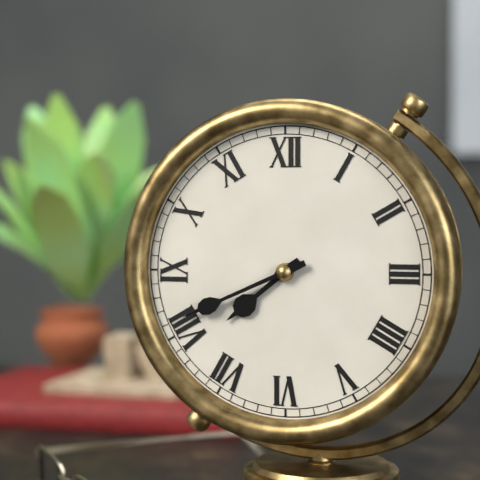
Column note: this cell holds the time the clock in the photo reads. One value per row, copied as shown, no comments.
7:41
